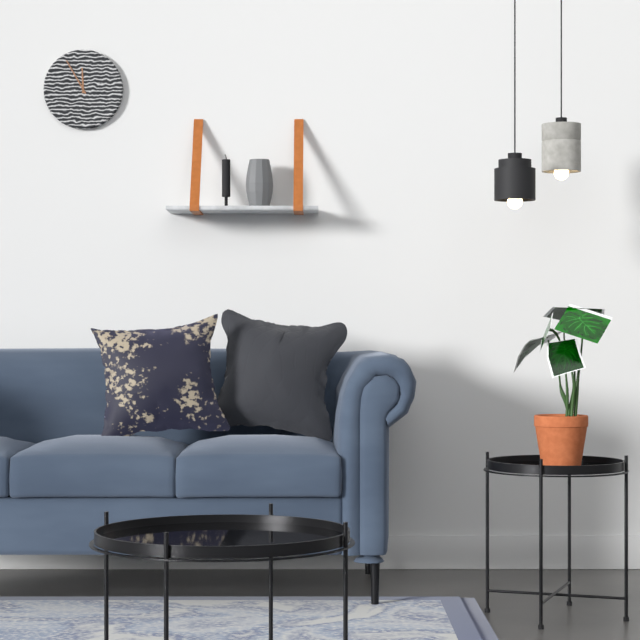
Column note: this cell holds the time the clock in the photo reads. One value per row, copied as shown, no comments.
11:55
